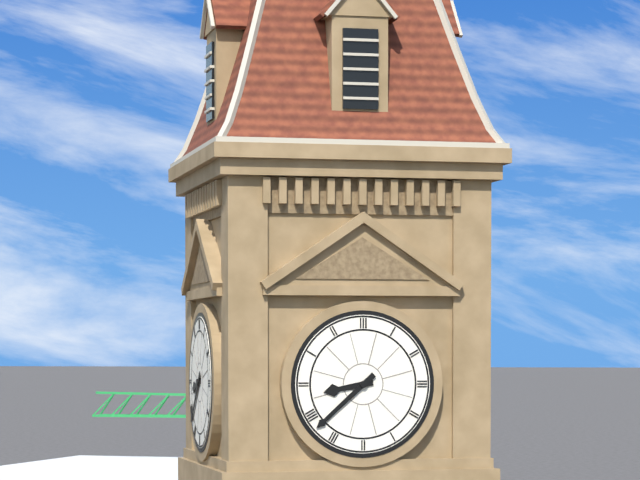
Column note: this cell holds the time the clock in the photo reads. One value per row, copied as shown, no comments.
8:38
